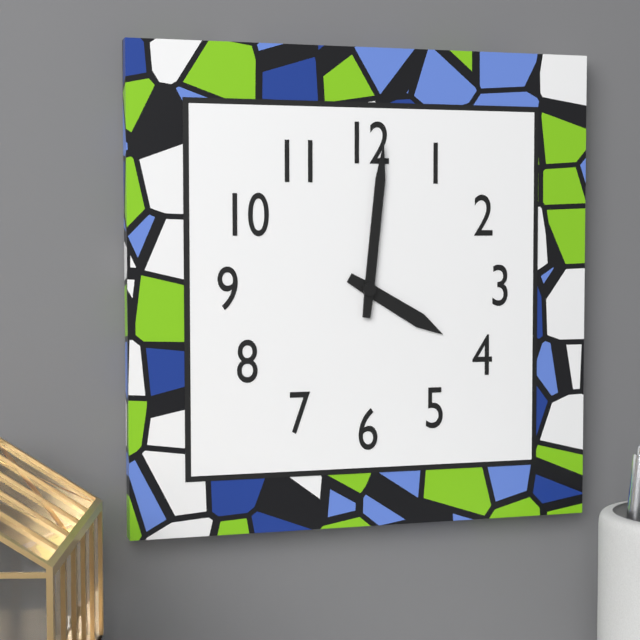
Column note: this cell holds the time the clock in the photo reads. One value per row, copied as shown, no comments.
4:01
